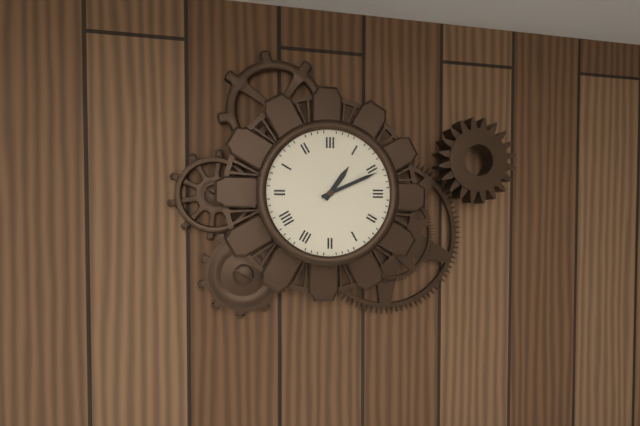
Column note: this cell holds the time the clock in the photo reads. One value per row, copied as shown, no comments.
1:11
